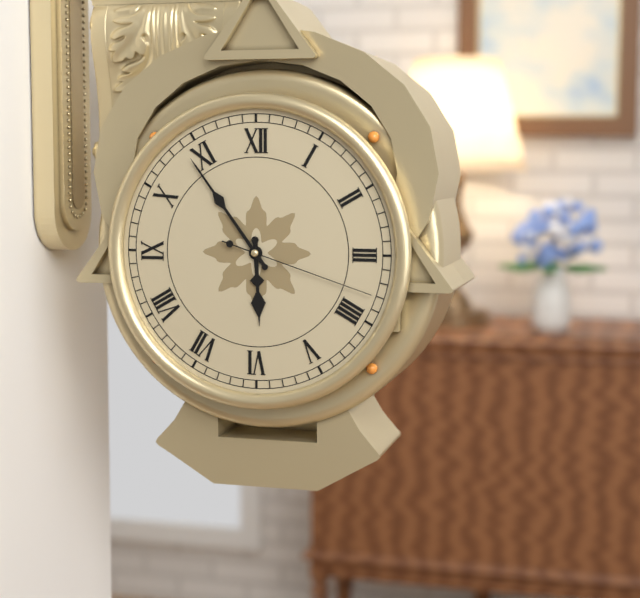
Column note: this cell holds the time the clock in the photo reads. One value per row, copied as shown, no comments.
5:54:18
